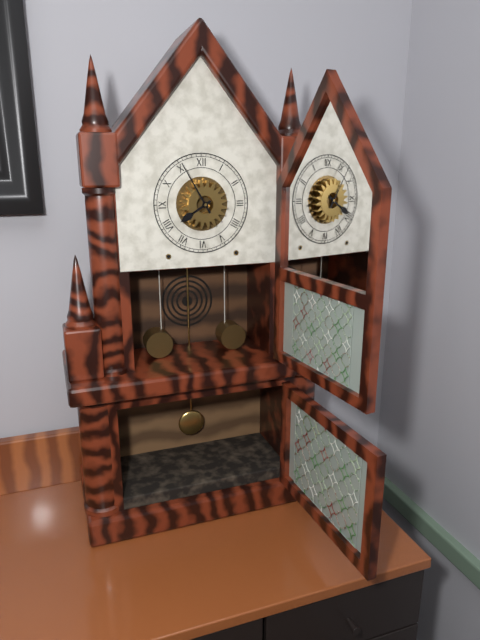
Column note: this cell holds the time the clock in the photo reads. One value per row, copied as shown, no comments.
7:55
